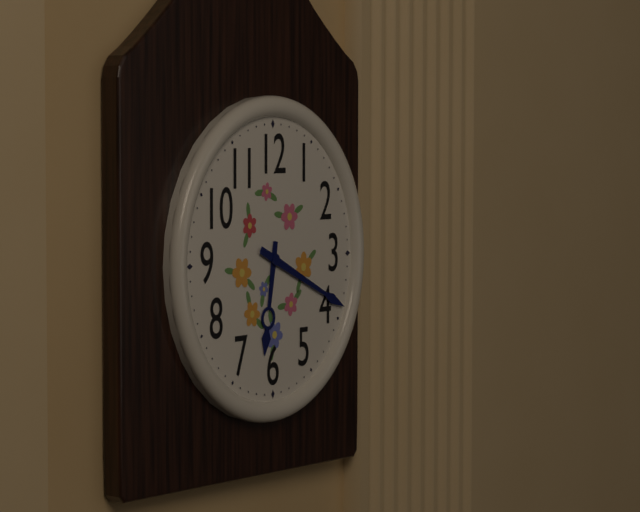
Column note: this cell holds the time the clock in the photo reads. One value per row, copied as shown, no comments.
6:19
